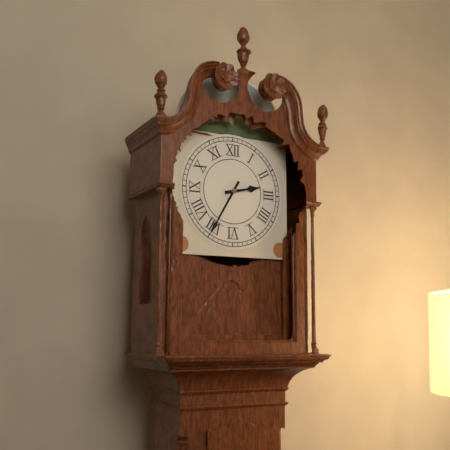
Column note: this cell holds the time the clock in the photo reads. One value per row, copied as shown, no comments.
2:35
